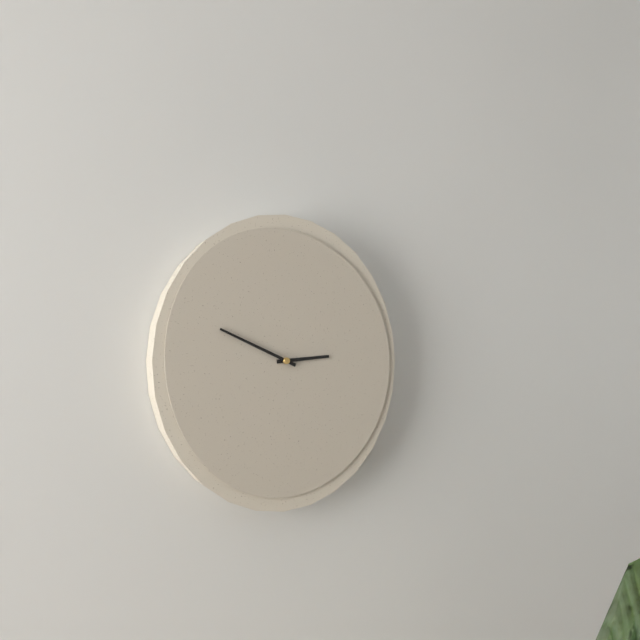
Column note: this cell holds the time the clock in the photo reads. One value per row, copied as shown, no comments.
2:49
